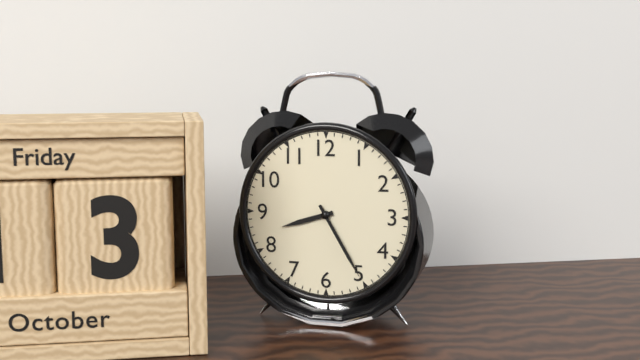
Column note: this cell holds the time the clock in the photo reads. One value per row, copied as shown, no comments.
8:25
